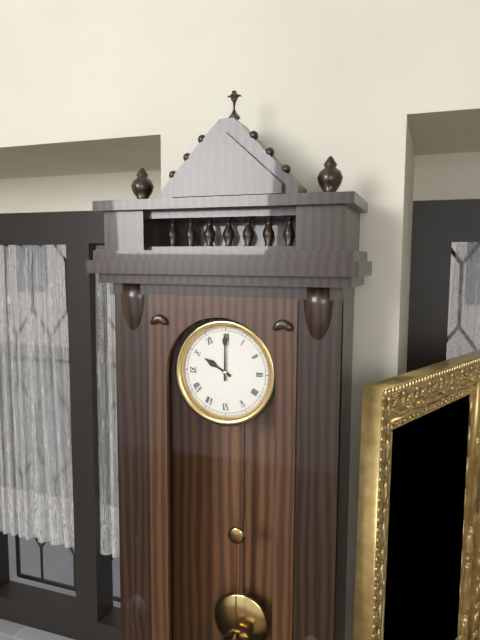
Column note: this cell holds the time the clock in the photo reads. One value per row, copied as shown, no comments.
10:00
